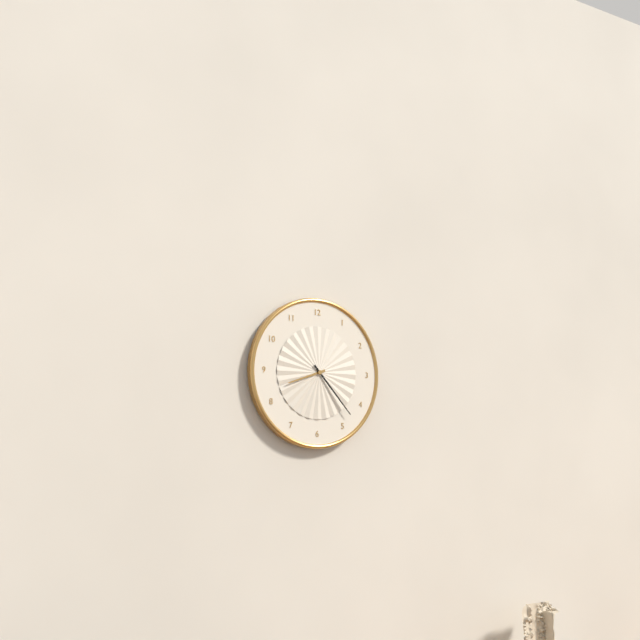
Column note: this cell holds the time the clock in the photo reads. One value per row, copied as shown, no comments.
8:23
